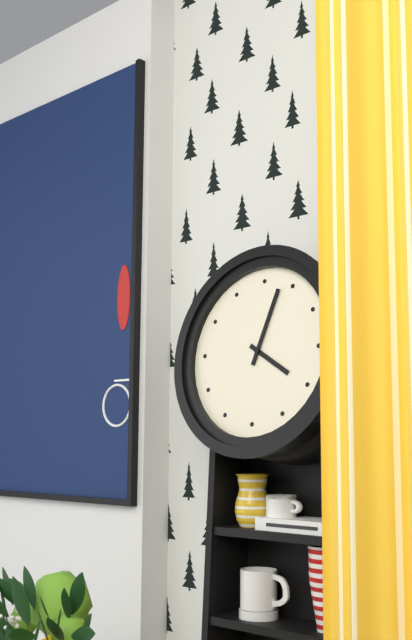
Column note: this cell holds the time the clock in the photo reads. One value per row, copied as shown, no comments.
4:03
